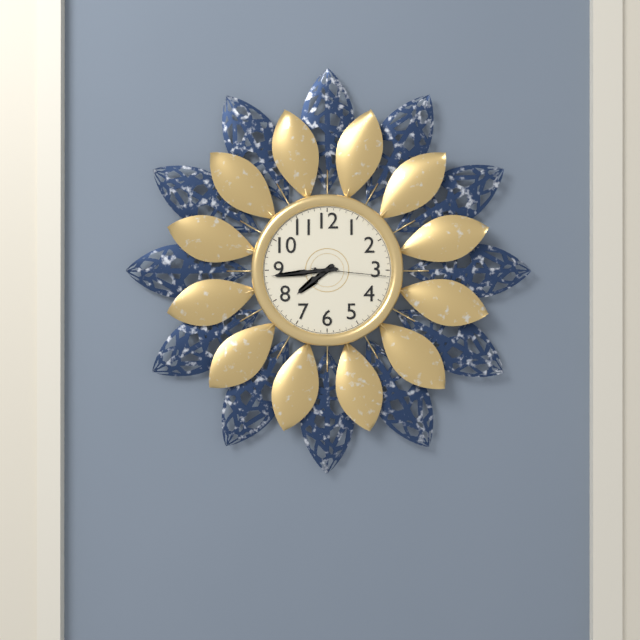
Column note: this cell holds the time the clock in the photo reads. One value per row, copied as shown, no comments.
7:44:16
